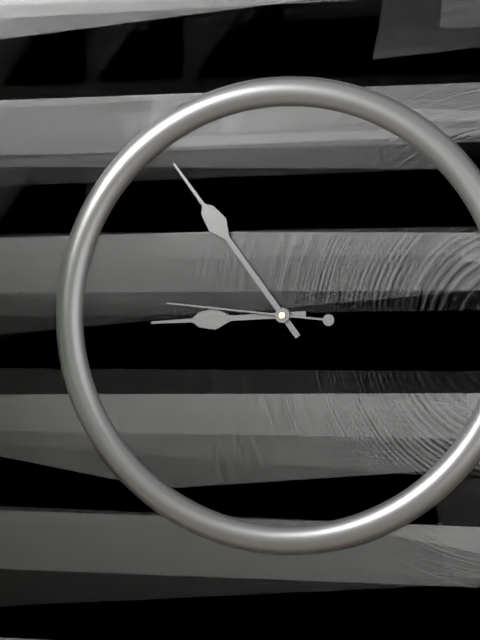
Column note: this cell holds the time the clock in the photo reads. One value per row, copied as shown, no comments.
8:54:46
